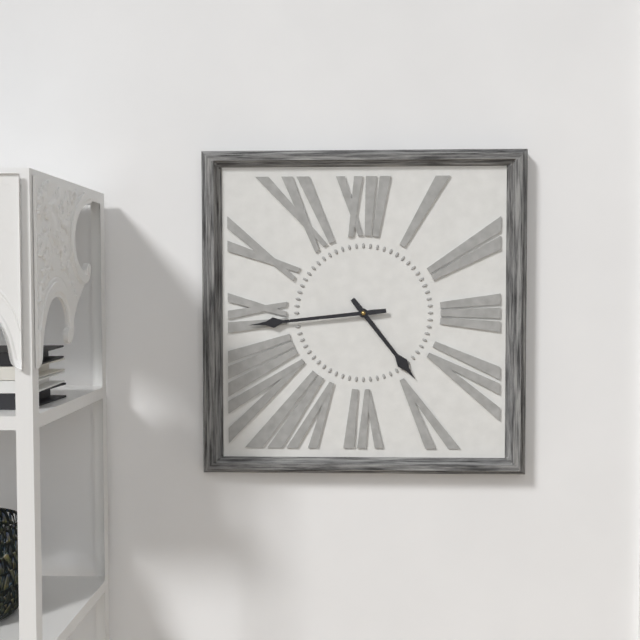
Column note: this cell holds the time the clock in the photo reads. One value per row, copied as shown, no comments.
4:44
